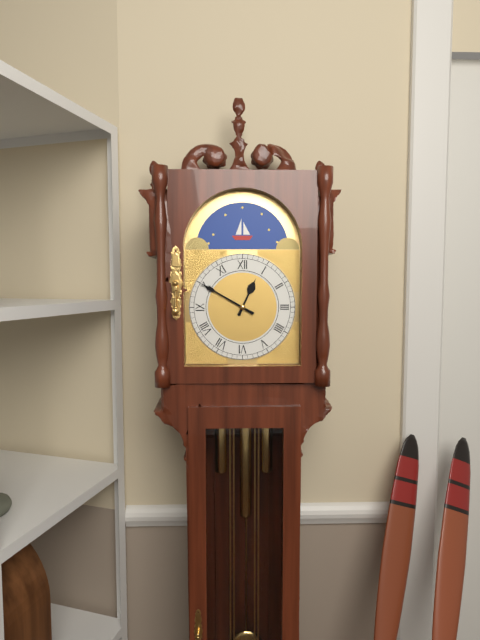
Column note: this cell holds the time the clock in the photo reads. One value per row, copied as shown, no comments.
12:50
